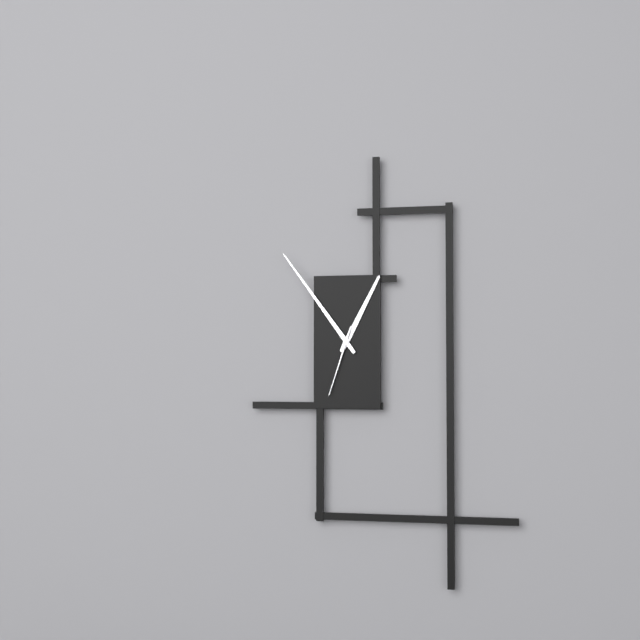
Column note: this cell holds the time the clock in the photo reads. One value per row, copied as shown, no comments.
12:54:33
